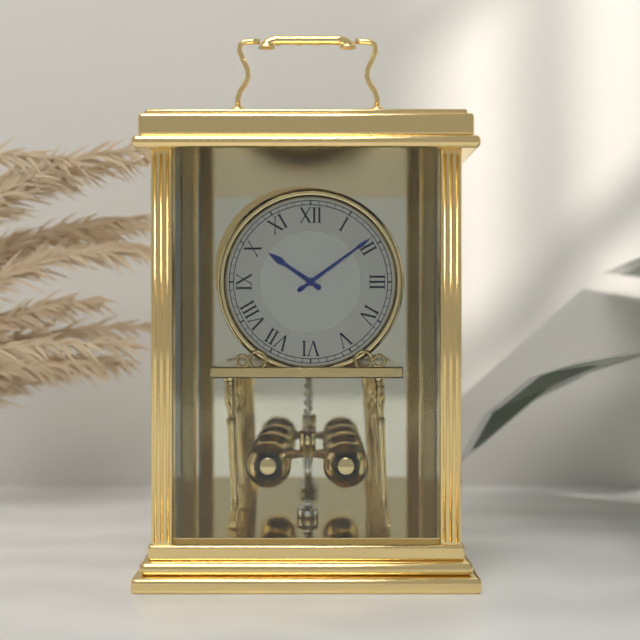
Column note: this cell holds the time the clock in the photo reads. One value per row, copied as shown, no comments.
10:09
